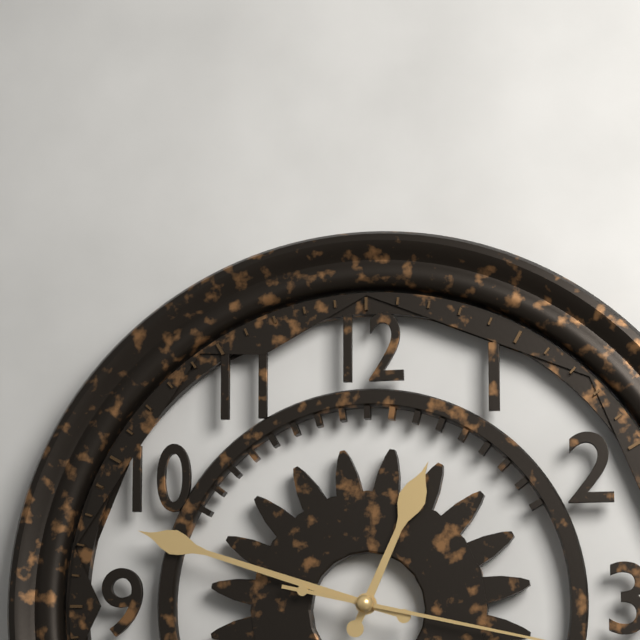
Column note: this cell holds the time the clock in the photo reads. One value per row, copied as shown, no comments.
12:48
